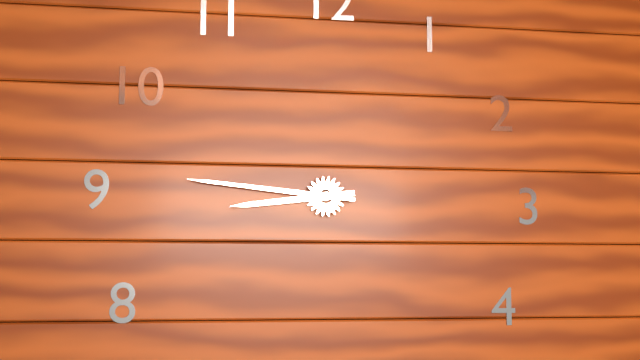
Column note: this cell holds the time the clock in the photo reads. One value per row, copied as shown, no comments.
8:46
